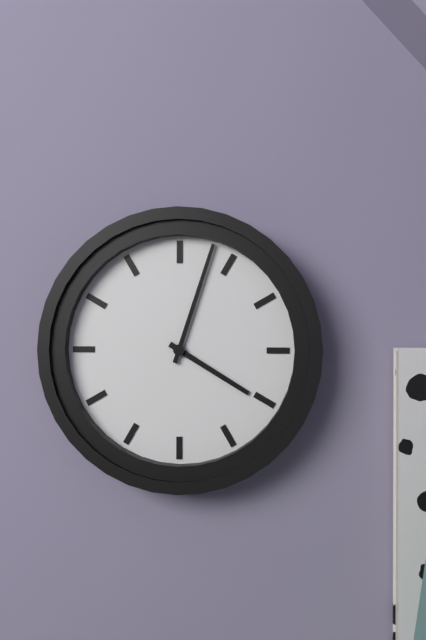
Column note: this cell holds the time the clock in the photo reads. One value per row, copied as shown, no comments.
4:03
